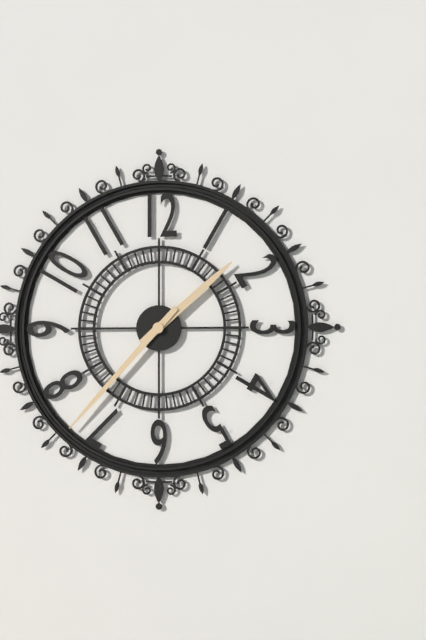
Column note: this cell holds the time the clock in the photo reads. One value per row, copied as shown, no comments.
1:37
